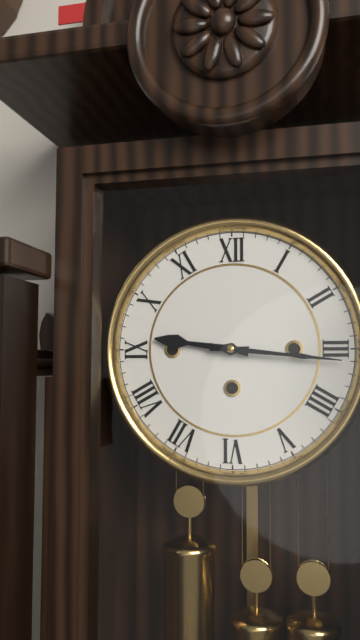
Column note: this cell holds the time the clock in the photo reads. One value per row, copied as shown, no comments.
9:16
